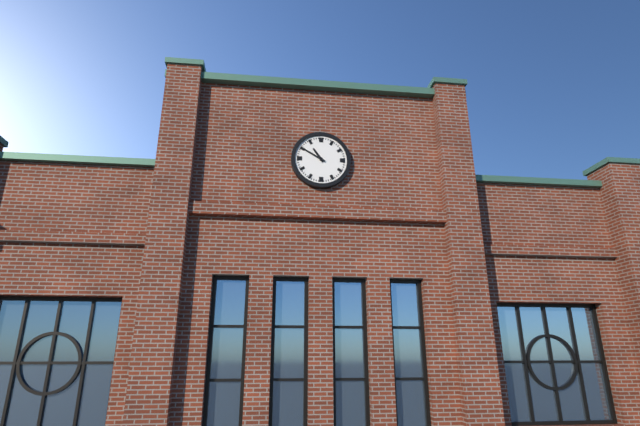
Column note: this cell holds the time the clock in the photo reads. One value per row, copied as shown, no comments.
10:50
